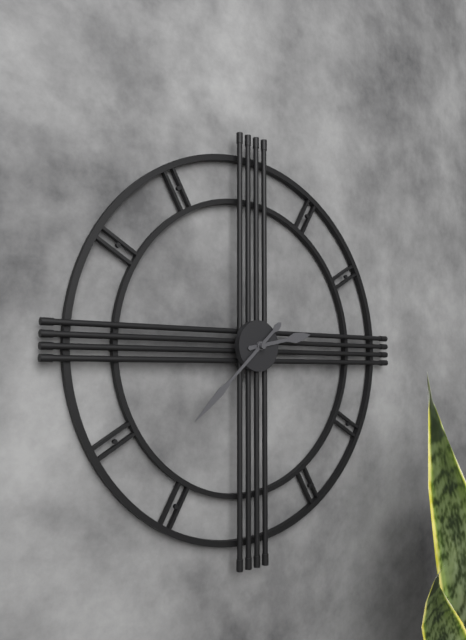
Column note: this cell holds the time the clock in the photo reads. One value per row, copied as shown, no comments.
2:38
